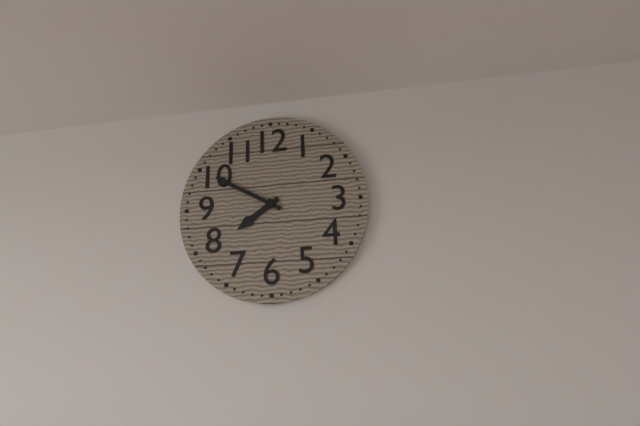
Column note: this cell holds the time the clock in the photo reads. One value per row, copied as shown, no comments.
7:50
